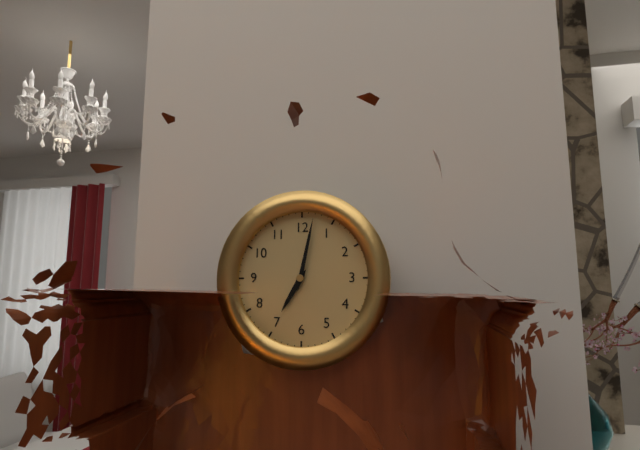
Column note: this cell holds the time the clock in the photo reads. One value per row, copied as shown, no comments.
7:02
